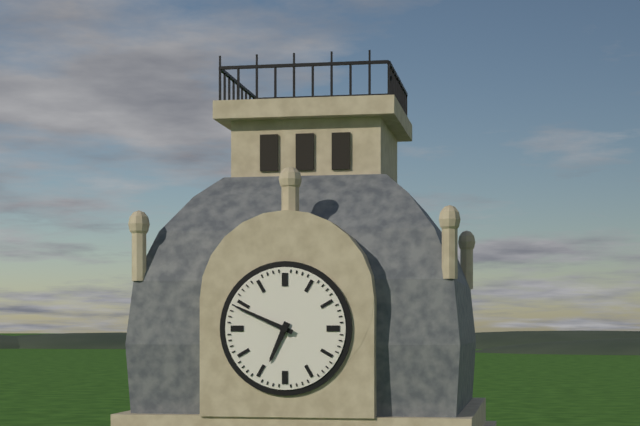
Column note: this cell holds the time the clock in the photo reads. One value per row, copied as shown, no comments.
6:49
